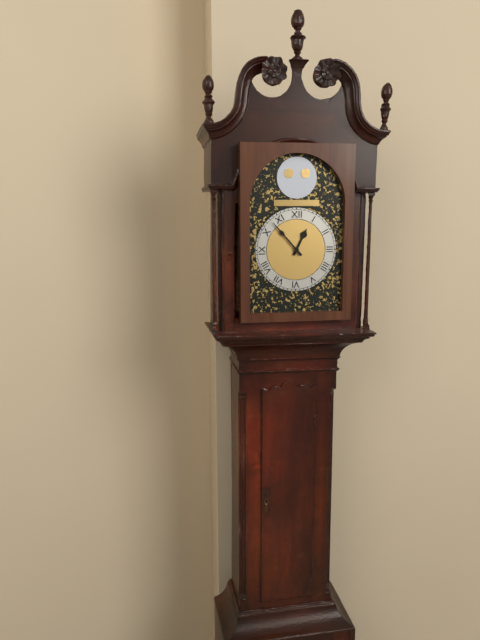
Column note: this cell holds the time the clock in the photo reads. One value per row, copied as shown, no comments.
12:53
